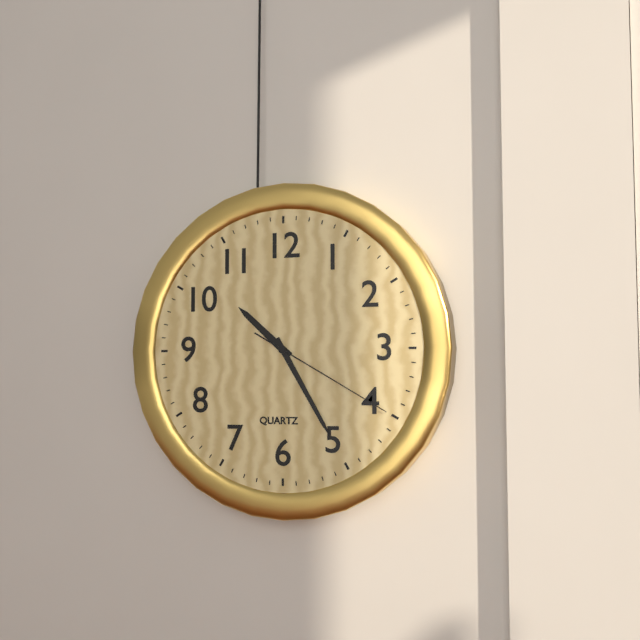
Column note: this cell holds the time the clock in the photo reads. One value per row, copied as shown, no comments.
10:25:20
